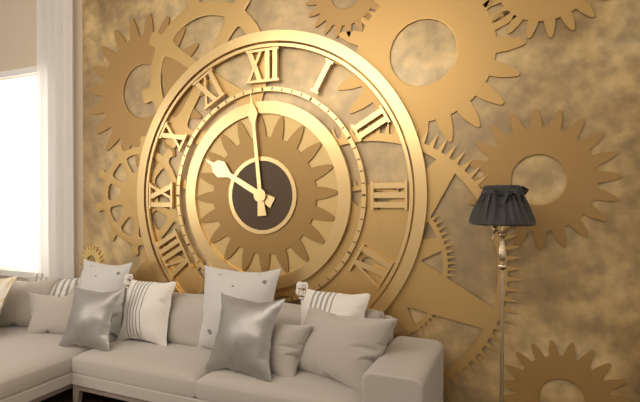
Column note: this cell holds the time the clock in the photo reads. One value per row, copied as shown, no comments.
9:59
